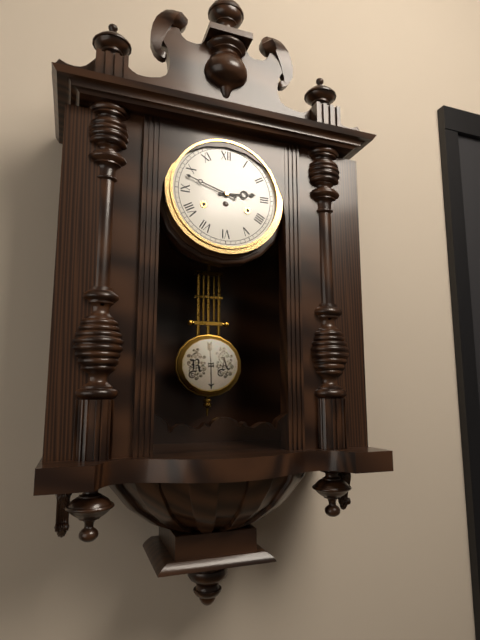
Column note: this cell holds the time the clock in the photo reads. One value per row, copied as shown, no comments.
2:48
